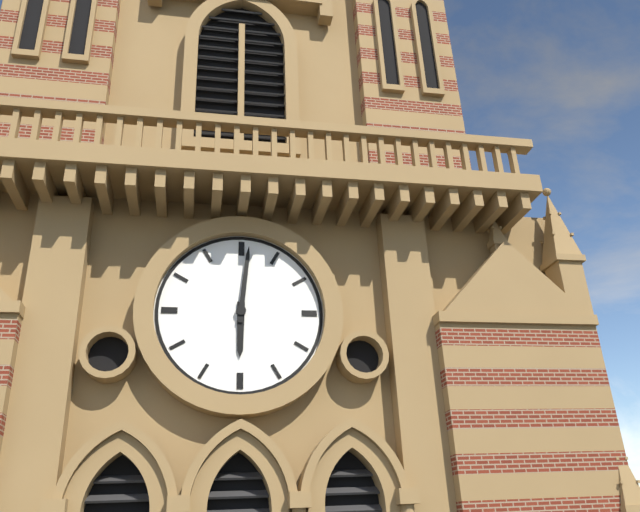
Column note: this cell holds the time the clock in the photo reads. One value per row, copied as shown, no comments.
6:01
